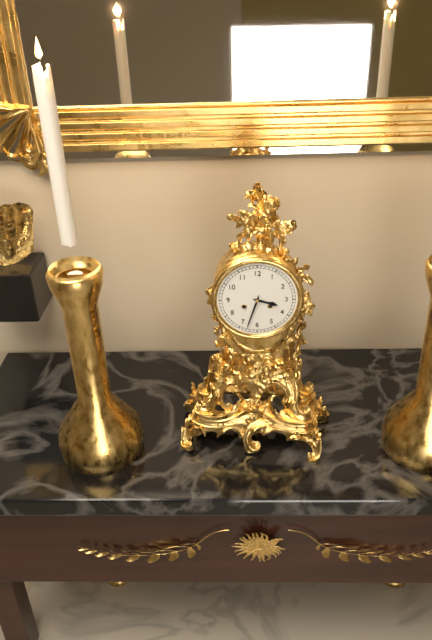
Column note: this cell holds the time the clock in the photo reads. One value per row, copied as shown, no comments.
3:33
